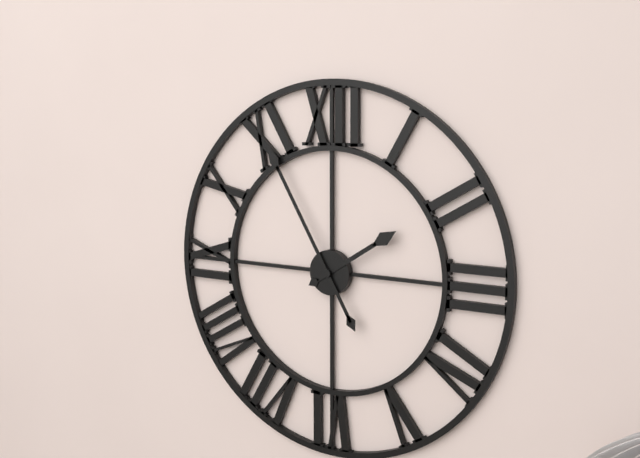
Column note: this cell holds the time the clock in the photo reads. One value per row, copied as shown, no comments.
1:55
